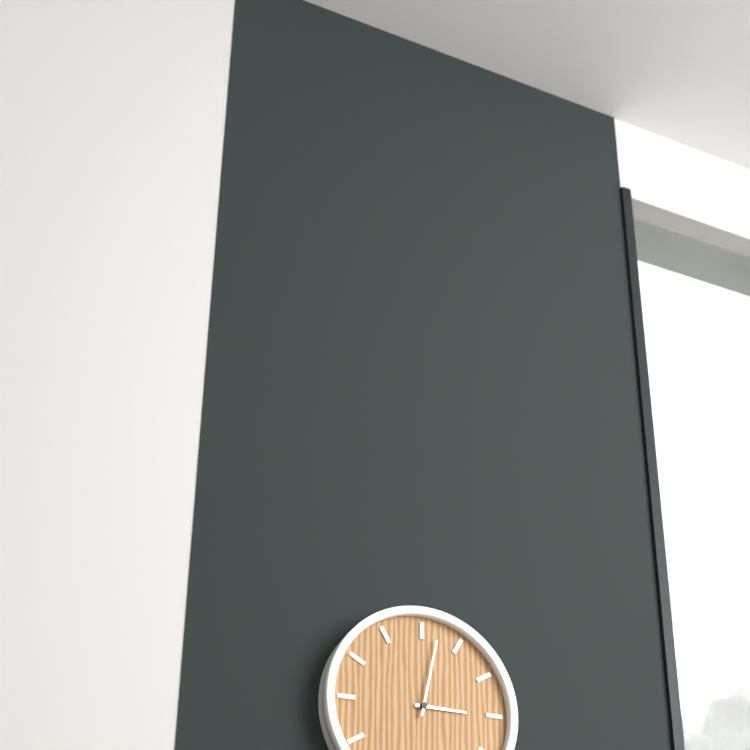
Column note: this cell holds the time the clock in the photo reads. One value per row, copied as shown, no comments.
3:02
